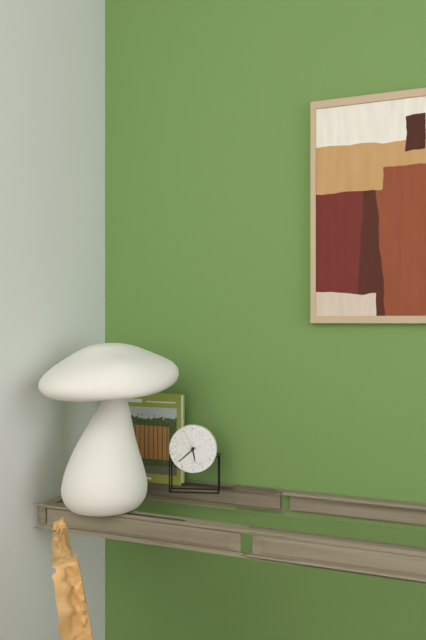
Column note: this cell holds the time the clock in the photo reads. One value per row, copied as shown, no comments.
5:38
